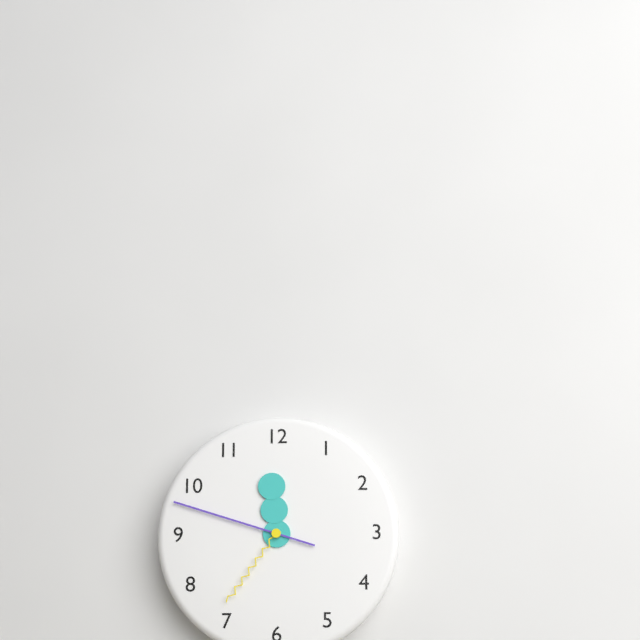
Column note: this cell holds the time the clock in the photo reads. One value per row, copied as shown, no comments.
11:48:36
